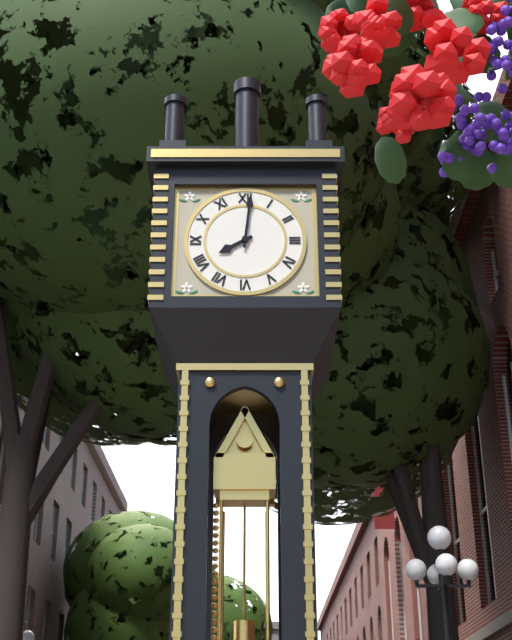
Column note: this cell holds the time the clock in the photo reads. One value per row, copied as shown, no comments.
8:01
